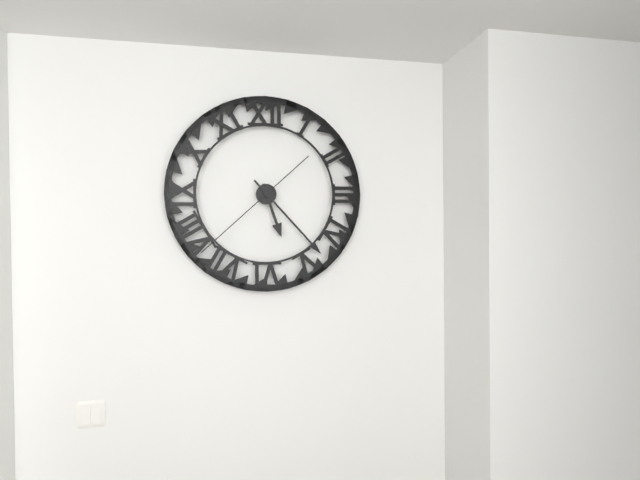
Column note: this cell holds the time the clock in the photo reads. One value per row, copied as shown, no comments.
5:23:38
